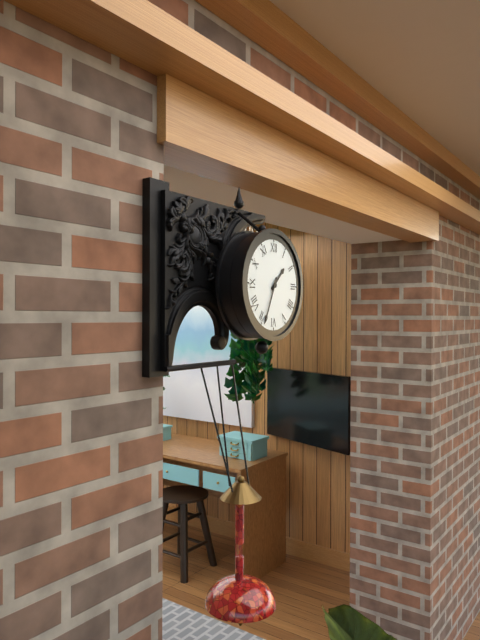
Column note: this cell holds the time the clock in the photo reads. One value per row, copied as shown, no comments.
1:34
